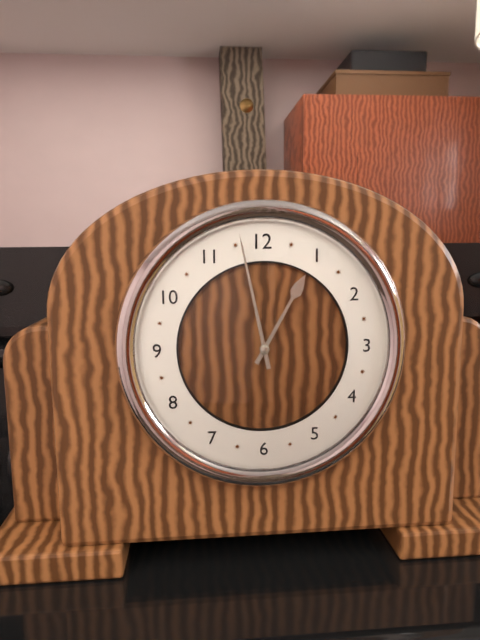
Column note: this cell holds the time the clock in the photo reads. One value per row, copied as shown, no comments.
12:58
